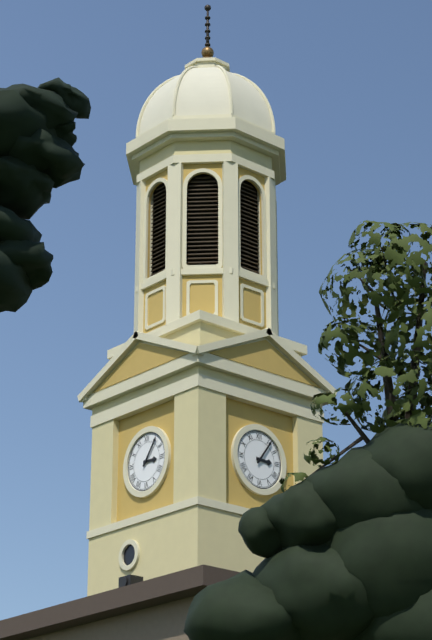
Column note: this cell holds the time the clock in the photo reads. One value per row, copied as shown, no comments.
3:06
